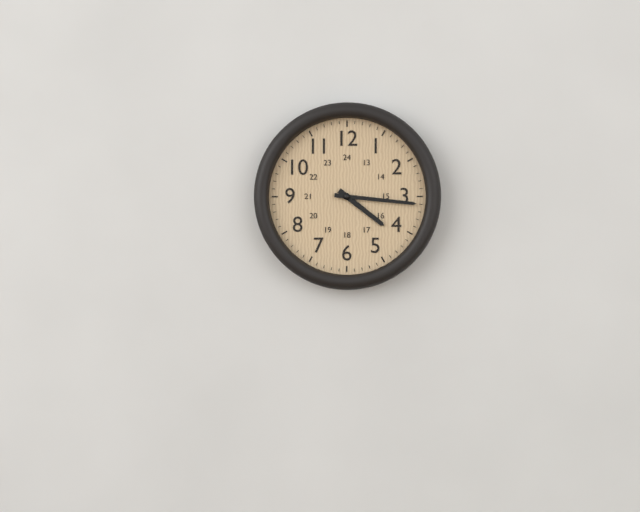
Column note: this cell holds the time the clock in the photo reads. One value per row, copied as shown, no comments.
4:16
